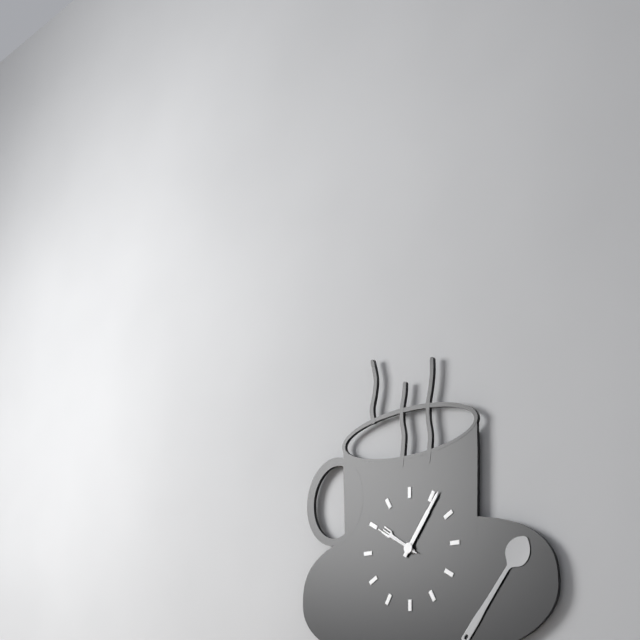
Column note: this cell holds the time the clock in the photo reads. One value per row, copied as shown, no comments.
10:06:50
